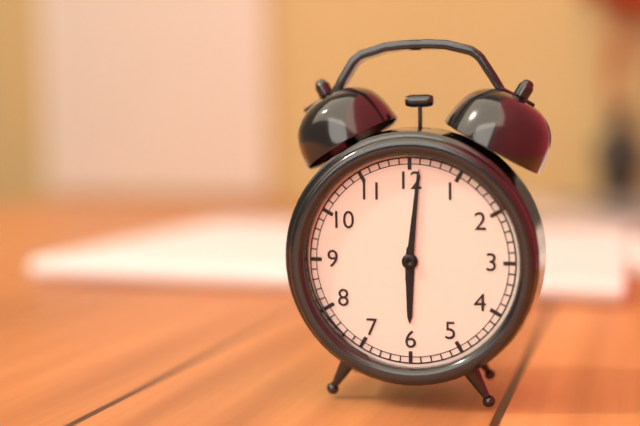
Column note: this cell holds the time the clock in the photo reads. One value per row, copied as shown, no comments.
6:01
